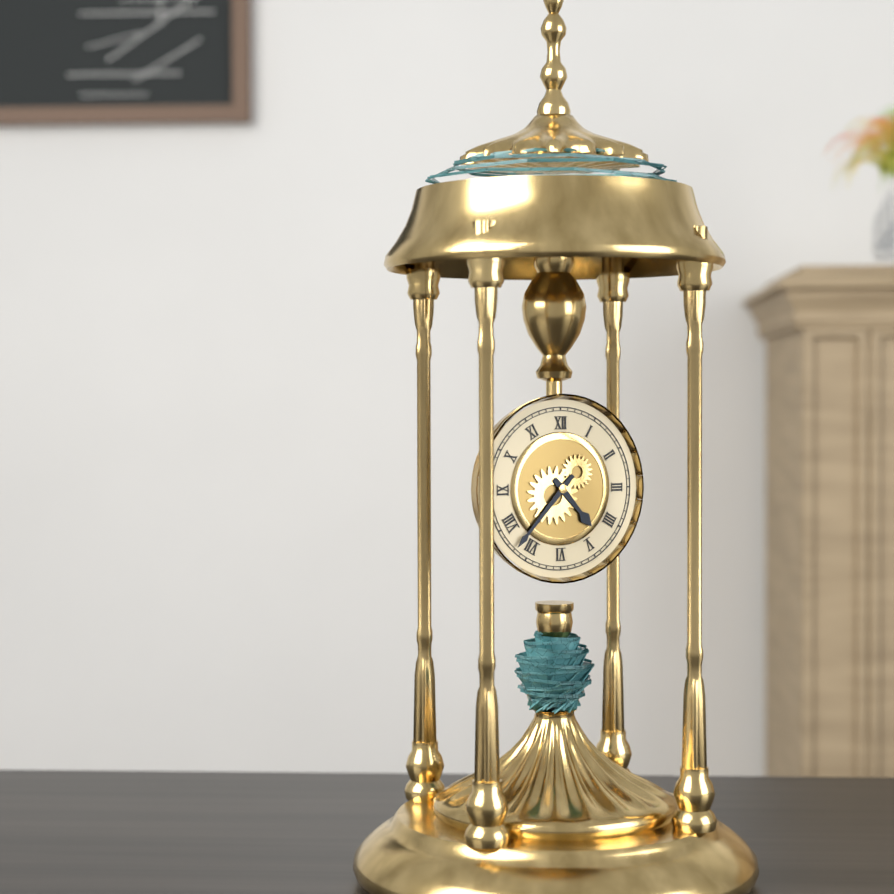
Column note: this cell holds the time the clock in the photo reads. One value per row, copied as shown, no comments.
4:37
